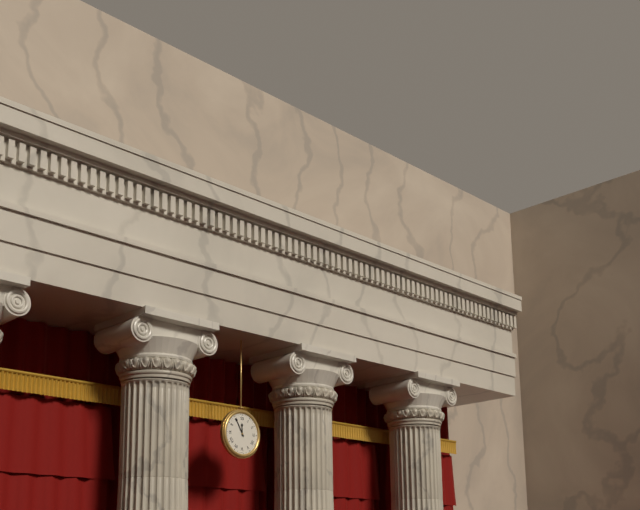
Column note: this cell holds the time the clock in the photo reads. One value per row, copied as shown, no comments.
11:55
